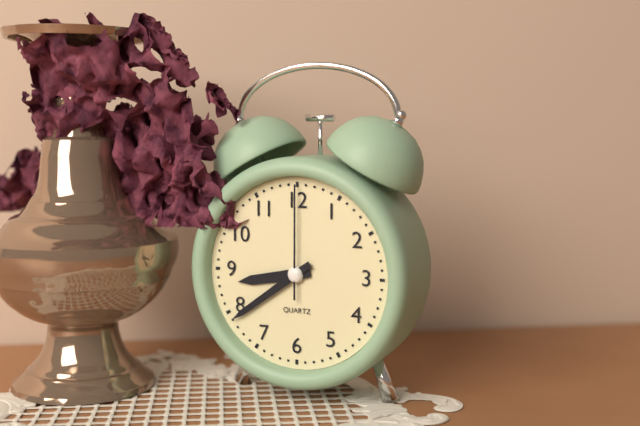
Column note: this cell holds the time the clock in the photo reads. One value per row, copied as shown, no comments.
8:39:00
